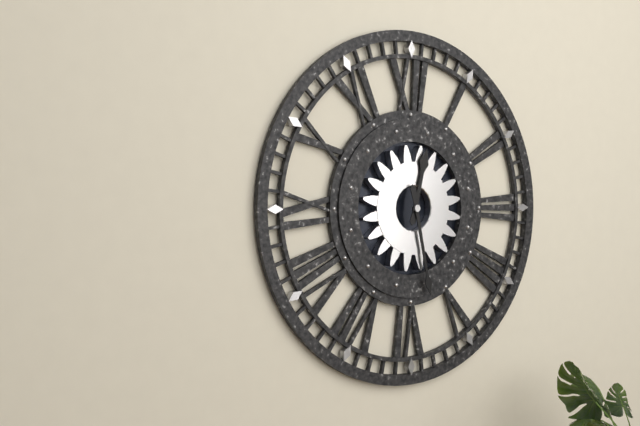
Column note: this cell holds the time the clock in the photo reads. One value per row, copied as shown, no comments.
12:28
